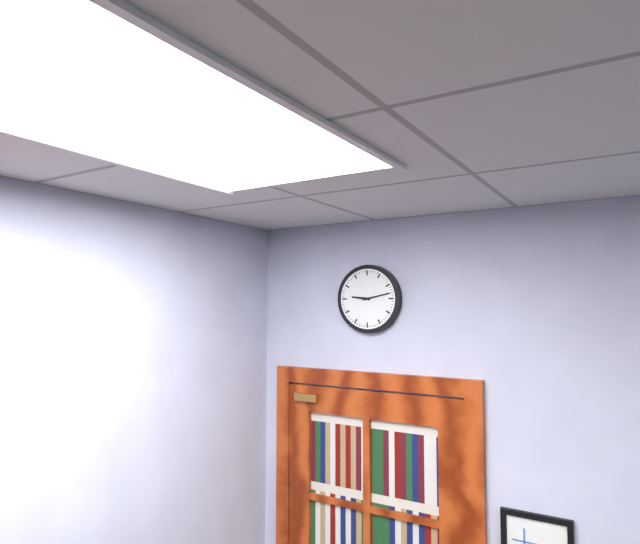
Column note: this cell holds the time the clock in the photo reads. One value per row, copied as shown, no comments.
9:13
